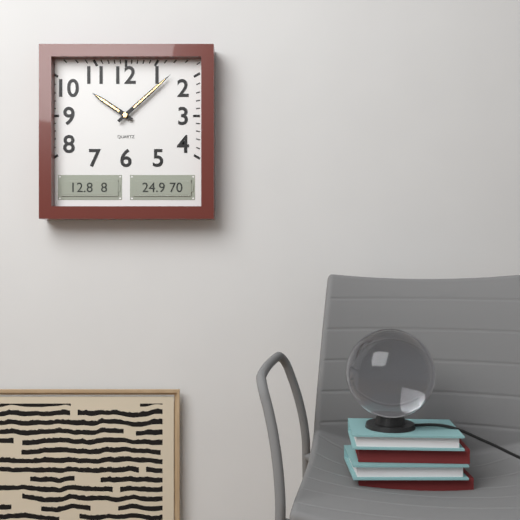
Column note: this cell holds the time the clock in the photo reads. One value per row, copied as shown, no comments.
10:08
